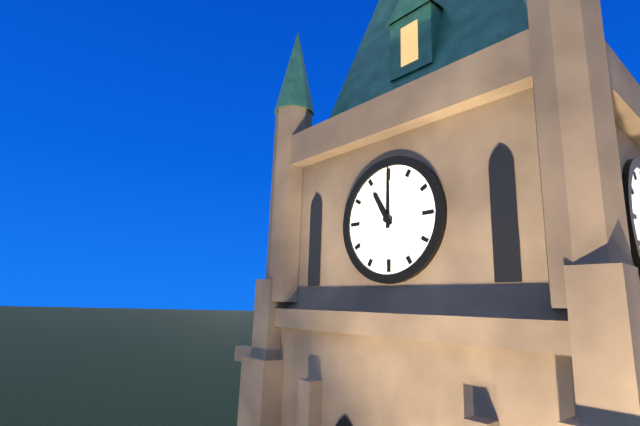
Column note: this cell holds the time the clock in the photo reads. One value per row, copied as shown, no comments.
11:00
